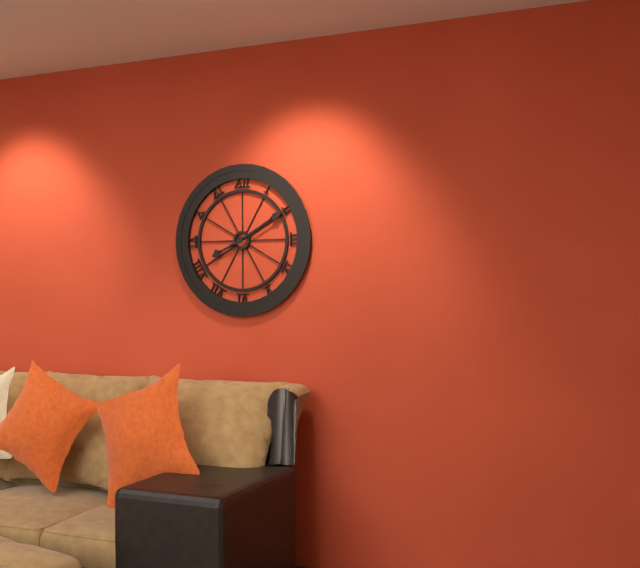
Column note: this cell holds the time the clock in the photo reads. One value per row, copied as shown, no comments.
8:10
